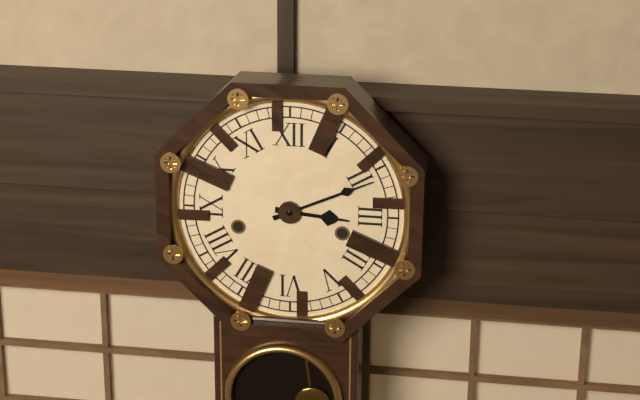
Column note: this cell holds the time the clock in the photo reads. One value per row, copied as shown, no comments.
3:11
